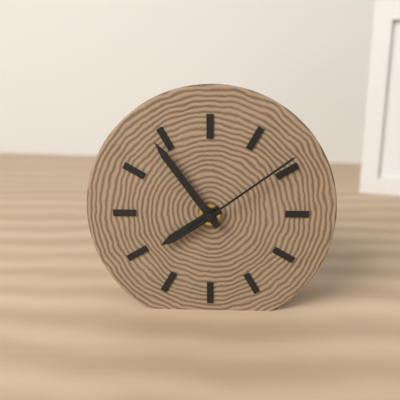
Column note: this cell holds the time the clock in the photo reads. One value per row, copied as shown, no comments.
7:54:09
